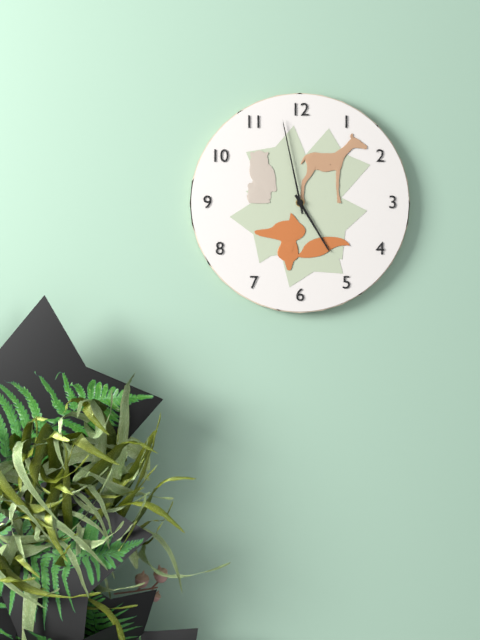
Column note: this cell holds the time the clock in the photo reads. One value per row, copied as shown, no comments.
4:58
